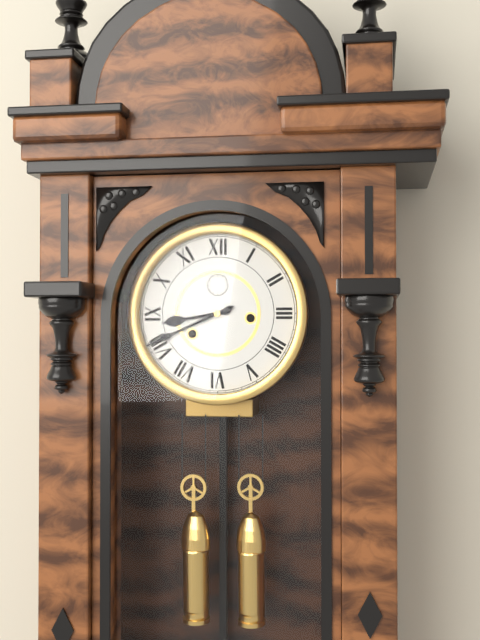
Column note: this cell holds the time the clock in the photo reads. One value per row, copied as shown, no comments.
8:41
